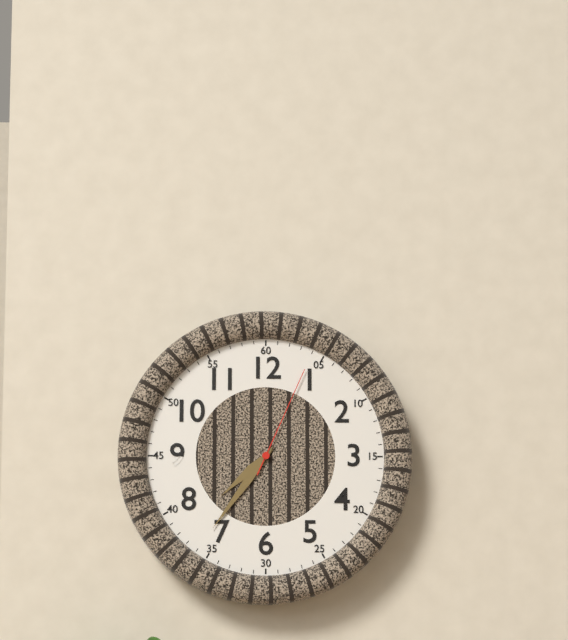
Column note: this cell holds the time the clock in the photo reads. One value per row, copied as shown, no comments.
7:36:04
